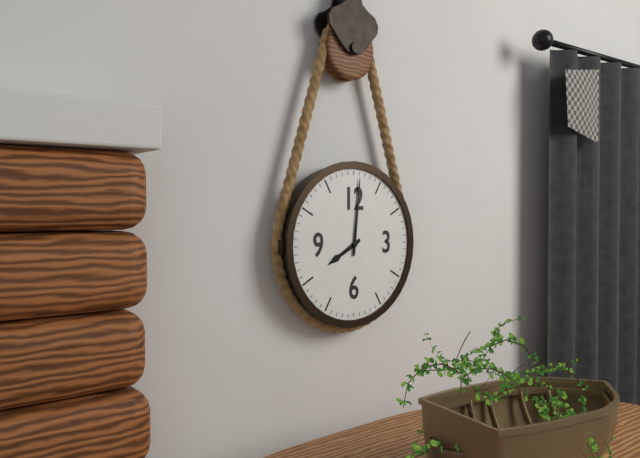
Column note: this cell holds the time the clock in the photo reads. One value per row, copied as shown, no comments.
8:01
